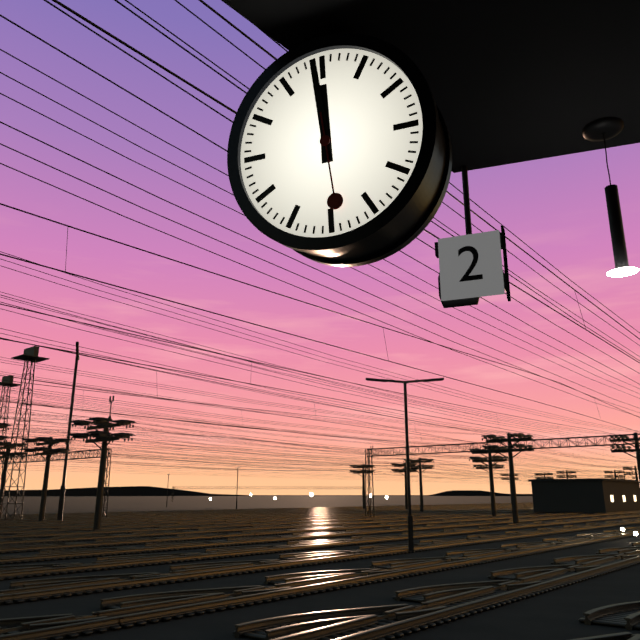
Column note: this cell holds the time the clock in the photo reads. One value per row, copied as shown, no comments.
11:59:29
